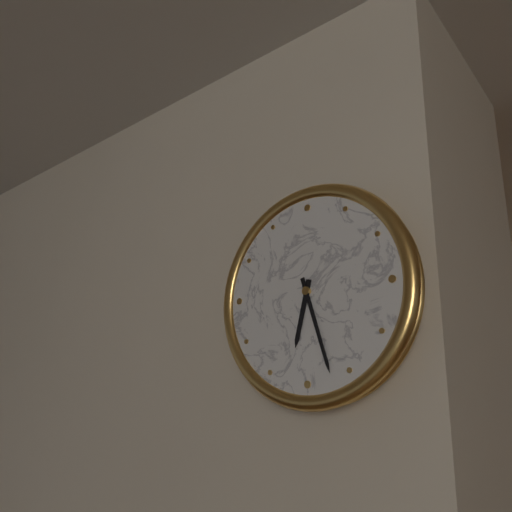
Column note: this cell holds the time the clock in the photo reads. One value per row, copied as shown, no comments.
6:27
